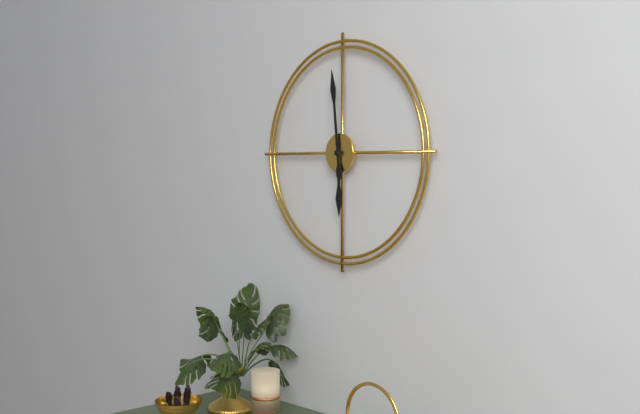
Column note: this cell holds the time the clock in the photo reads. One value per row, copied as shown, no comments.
5:59
